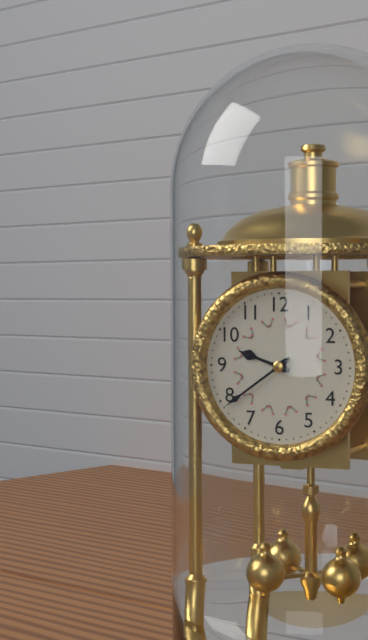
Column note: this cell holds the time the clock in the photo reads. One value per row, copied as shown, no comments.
9:39
